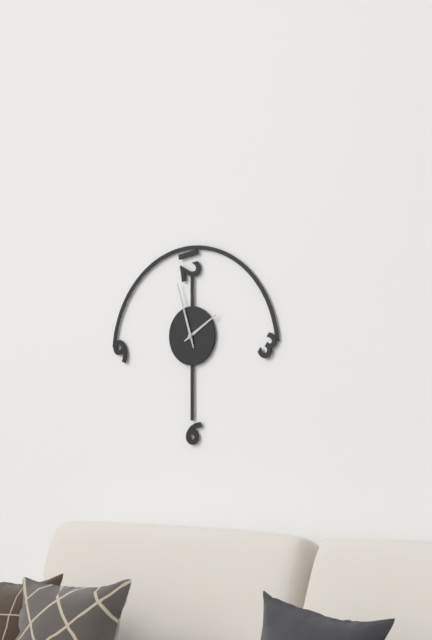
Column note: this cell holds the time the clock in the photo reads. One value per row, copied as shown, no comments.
1:57
